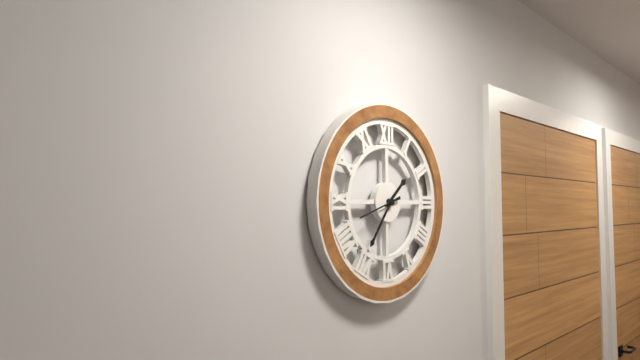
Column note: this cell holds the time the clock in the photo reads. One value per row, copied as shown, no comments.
1:36
